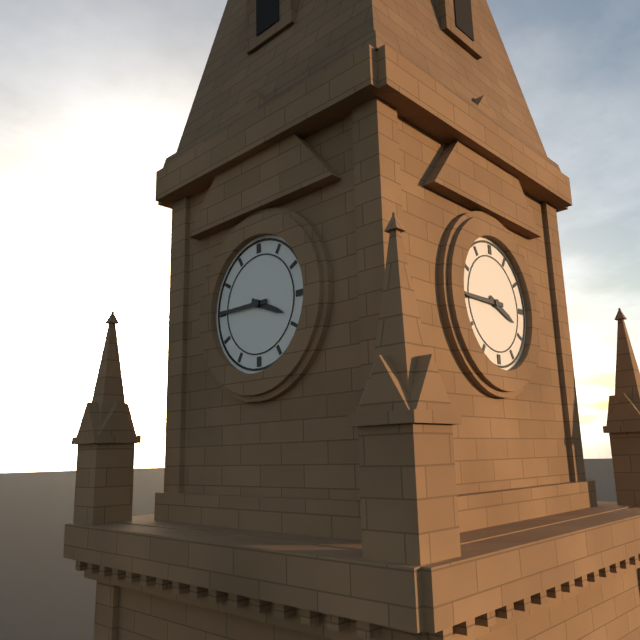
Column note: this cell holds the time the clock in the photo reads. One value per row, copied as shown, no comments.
3:45
